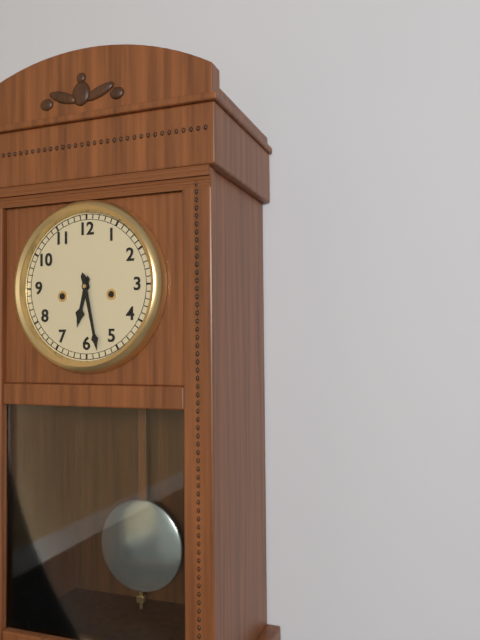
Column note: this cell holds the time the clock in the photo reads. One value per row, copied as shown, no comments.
6:28
